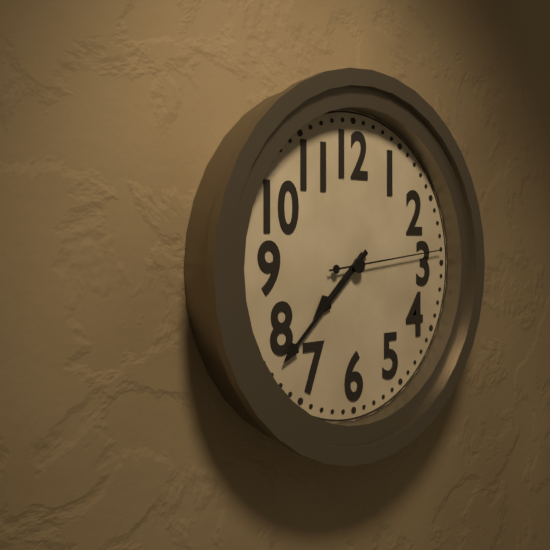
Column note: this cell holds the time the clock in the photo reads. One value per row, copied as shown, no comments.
7:38:14
